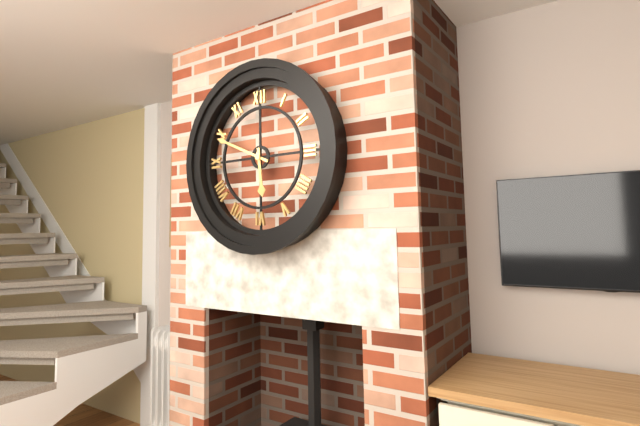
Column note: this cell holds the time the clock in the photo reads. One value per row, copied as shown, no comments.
5:49
